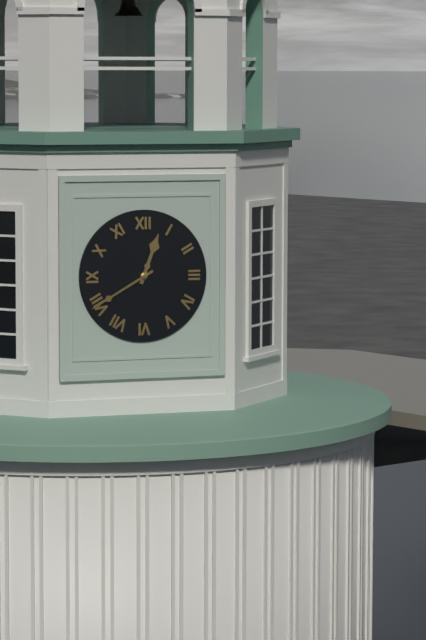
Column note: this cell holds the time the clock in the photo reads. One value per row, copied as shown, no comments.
12:40
